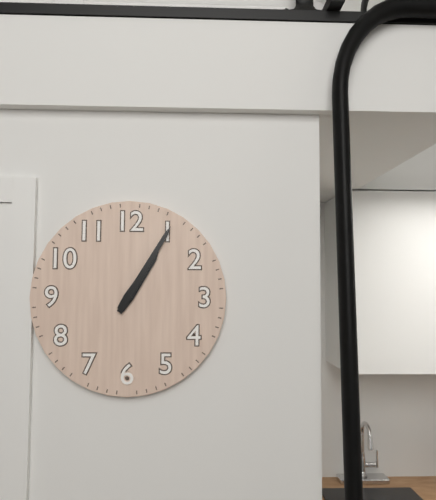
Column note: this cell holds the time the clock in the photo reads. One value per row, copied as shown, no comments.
1:05
